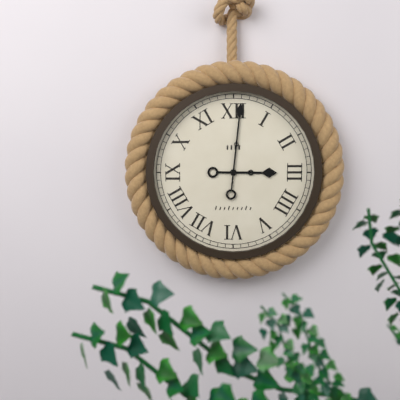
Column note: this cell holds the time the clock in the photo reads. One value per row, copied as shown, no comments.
3:01
